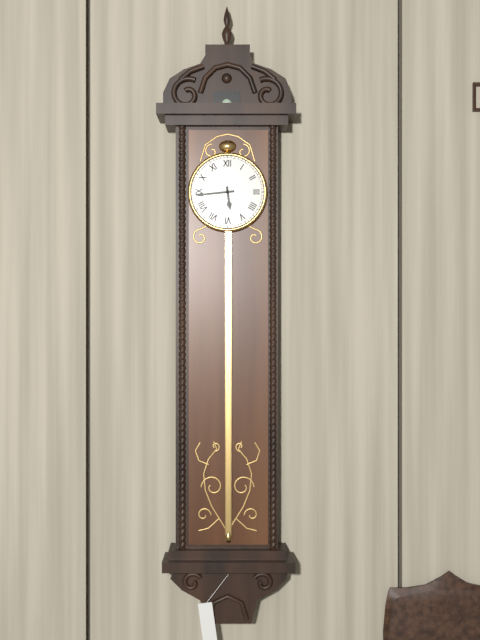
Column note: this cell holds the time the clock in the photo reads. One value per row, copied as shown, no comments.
5:44
